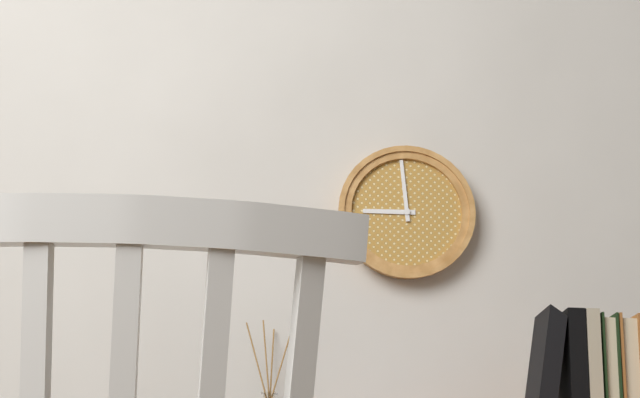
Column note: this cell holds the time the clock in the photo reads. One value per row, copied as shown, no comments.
8:59
